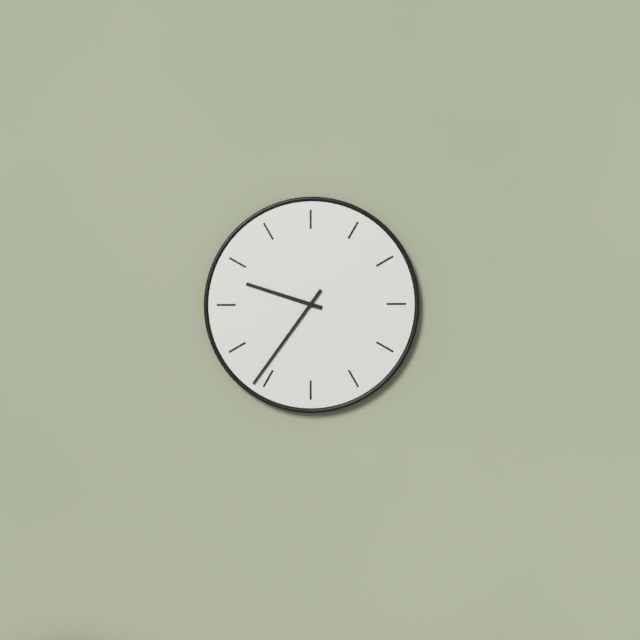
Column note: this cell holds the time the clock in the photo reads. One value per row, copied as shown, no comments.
9:36
